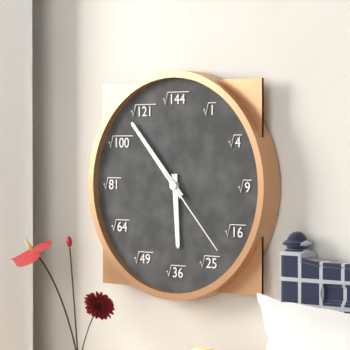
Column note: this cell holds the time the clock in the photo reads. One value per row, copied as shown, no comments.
5:53:23
